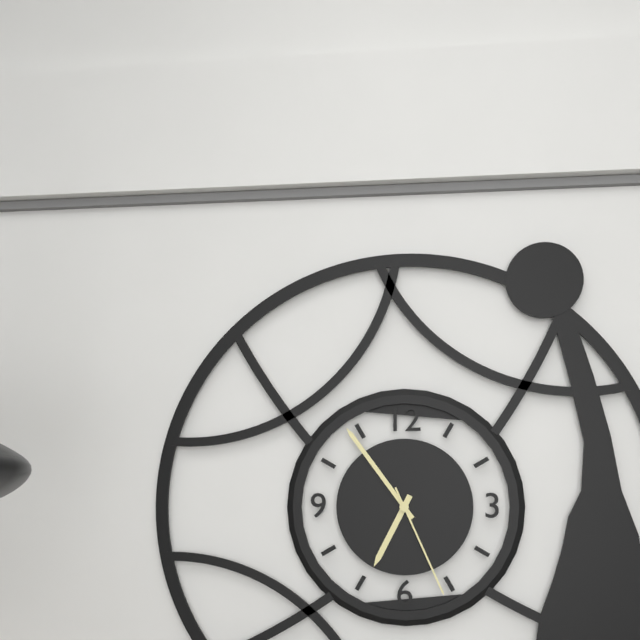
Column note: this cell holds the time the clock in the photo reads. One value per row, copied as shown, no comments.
6:54:26
